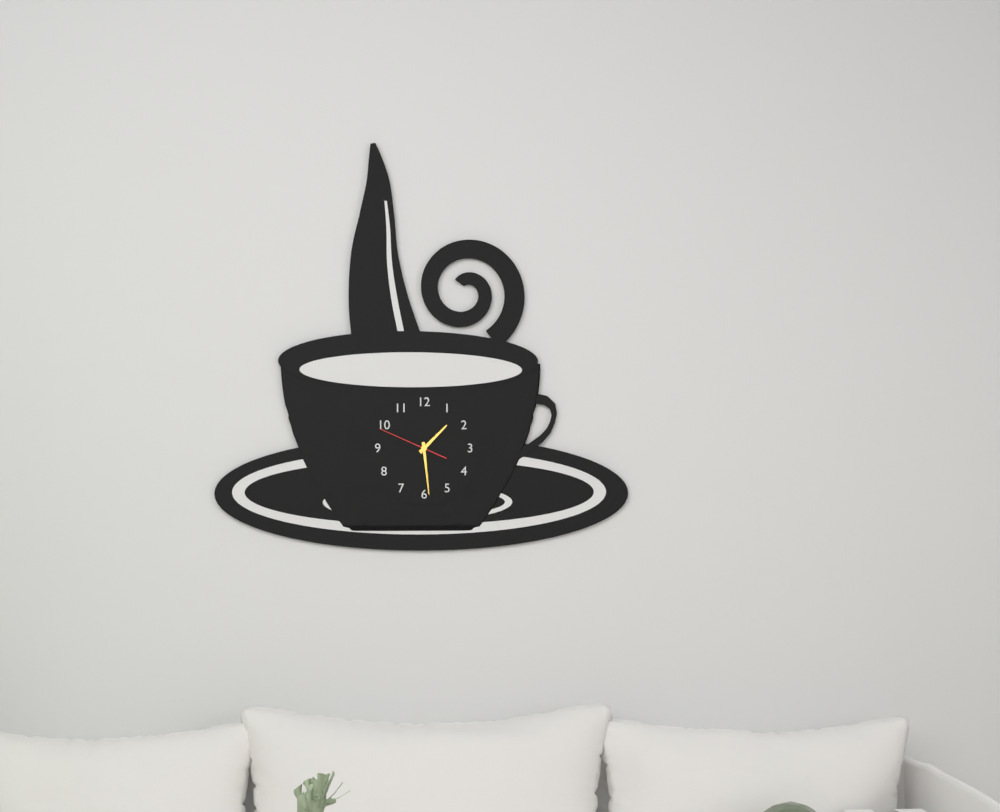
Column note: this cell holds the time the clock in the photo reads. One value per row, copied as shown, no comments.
1:29:49
